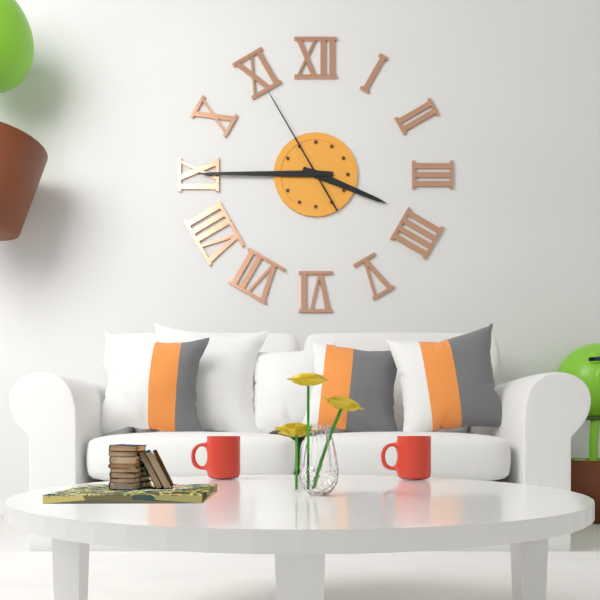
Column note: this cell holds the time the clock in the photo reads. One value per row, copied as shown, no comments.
3:45:55
